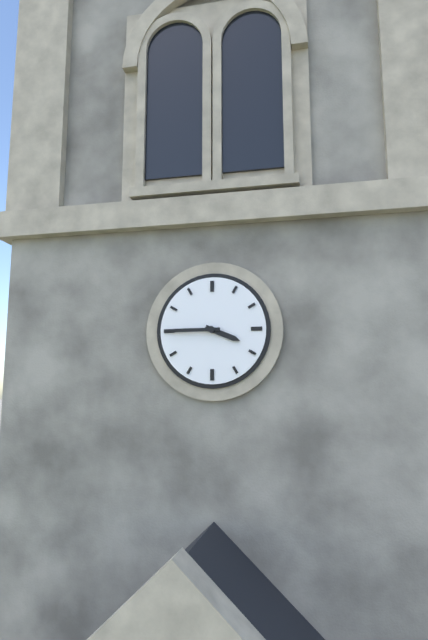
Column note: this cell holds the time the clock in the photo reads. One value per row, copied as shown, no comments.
3:45
